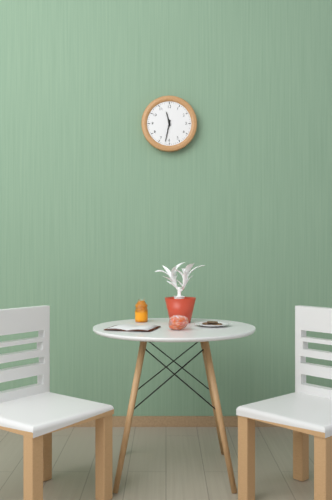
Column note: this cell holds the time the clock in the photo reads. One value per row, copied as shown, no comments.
11:32
